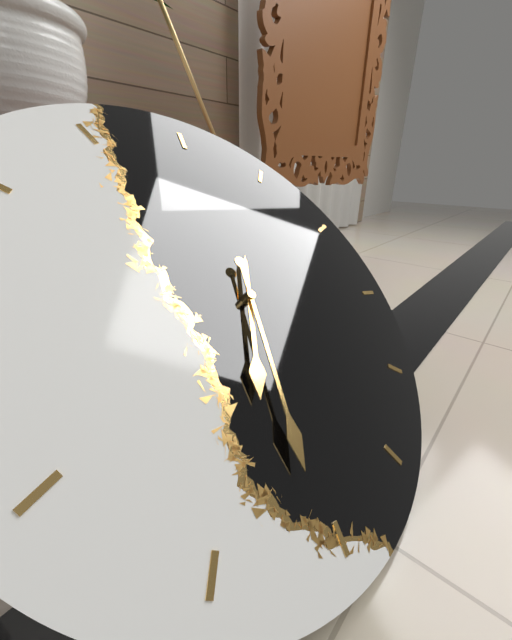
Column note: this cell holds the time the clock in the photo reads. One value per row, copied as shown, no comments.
7:36
